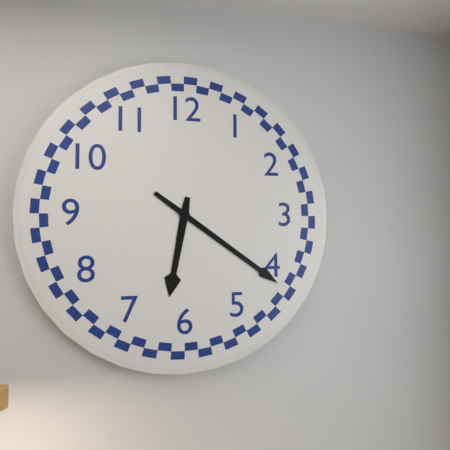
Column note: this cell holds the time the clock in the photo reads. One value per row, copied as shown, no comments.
6:21
